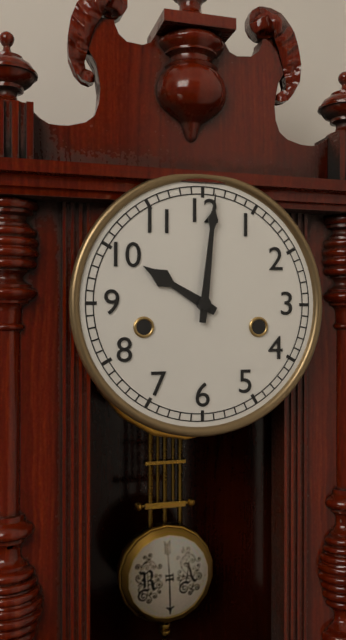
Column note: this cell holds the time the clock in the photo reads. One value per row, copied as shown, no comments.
10:01
